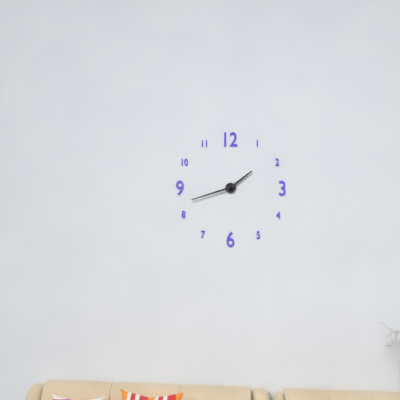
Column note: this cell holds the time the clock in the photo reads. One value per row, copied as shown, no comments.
1:42
